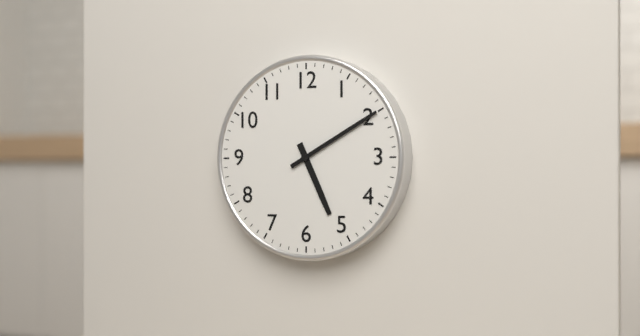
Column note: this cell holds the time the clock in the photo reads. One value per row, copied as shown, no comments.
5:10
